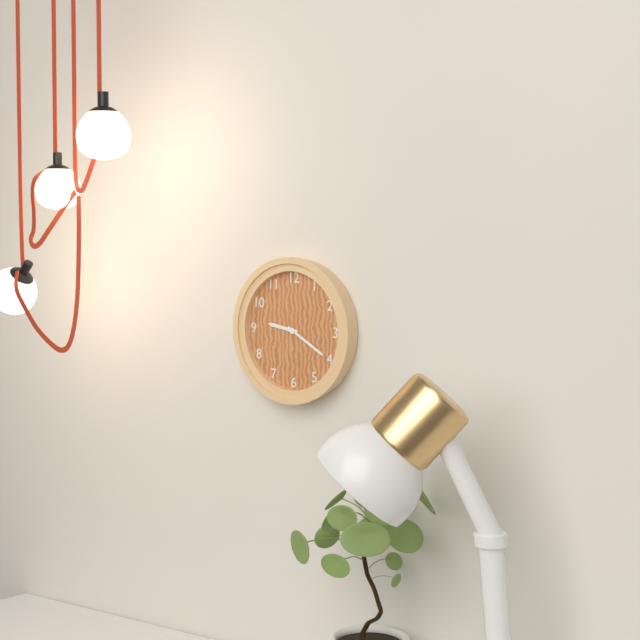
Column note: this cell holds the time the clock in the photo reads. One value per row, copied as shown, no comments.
9:20
